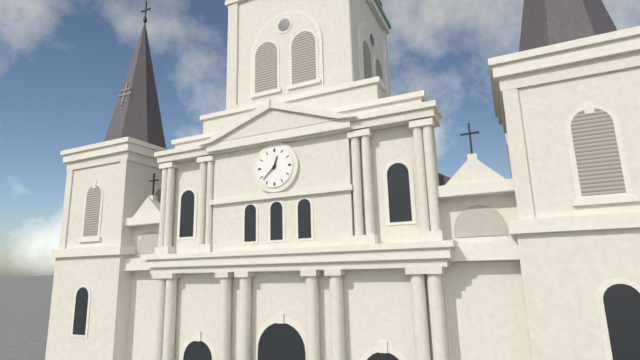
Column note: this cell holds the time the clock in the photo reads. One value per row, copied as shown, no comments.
12:38
